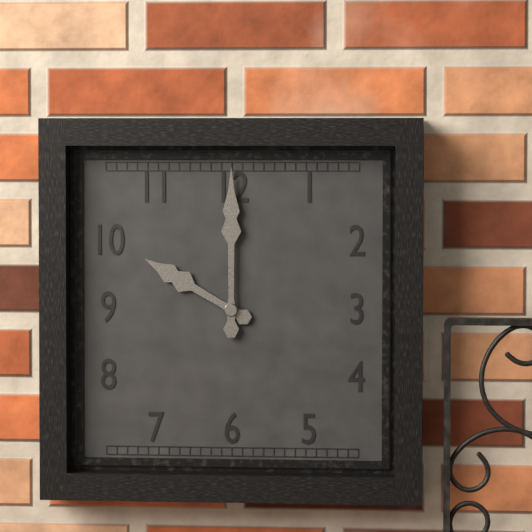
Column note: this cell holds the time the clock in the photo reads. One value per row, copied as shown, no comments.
10:00
